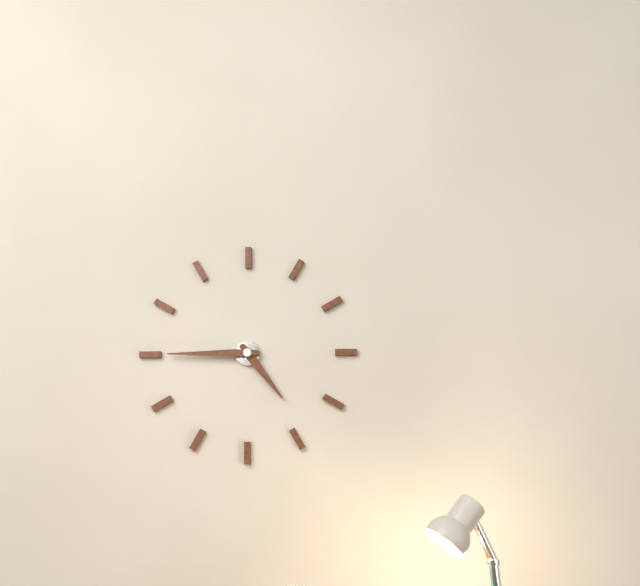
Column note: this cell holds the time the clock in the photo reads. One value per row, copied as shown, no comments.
4:45
